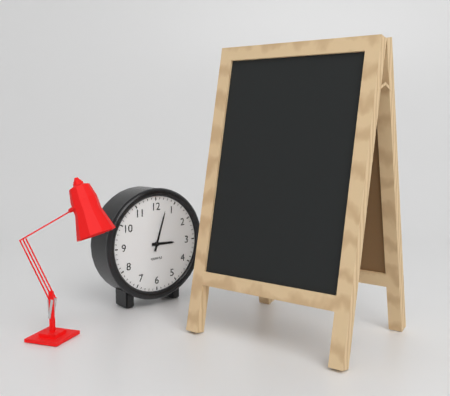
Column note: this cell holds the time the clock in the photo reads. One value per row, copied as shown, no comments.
3:03
